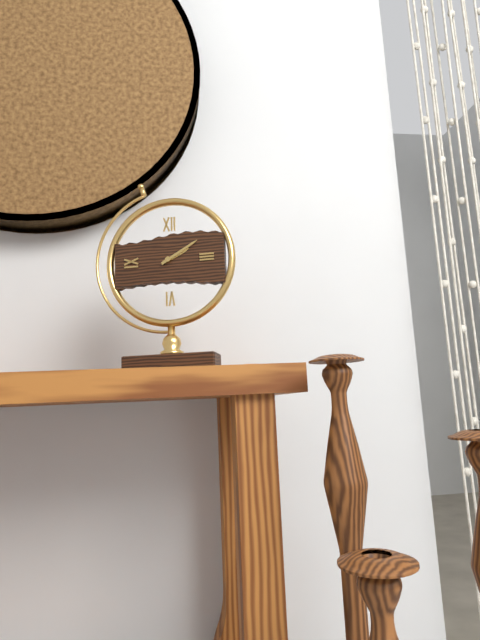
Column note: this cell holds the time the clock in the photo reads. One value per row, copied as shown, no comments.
2:10
